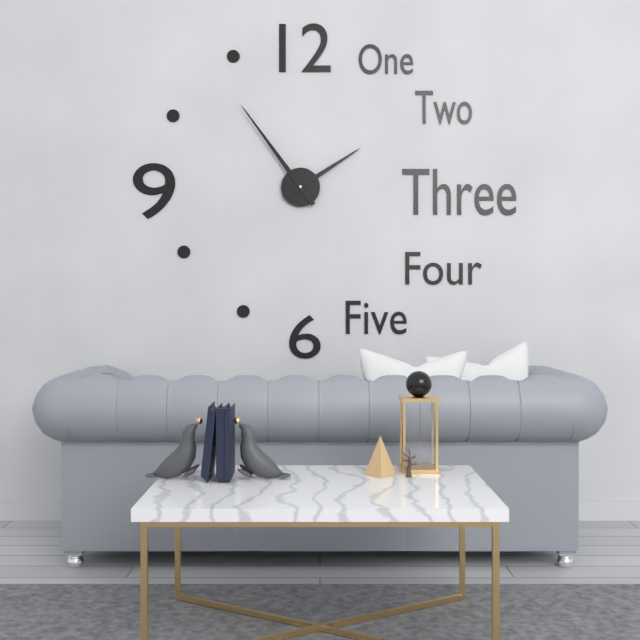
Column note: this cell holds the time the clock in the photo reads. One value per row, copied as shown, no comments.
1:54
